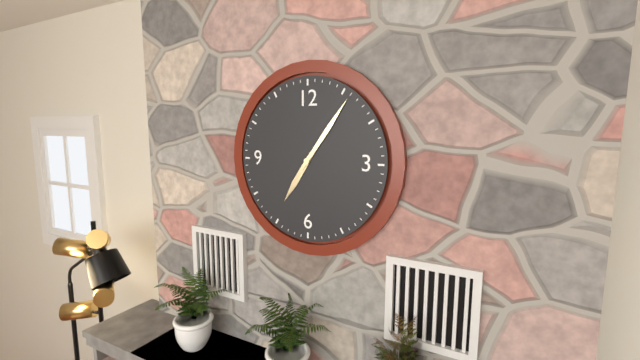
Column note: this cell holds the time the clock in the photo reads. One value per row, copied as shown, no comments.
7:06
